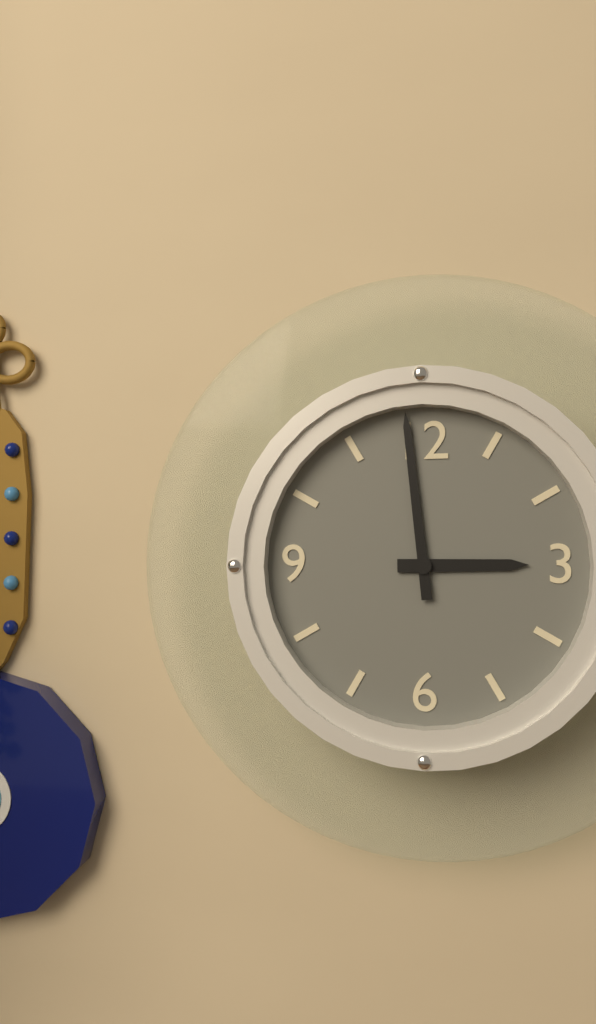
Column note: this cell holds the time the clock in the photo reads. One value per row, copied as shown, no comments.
2:59
